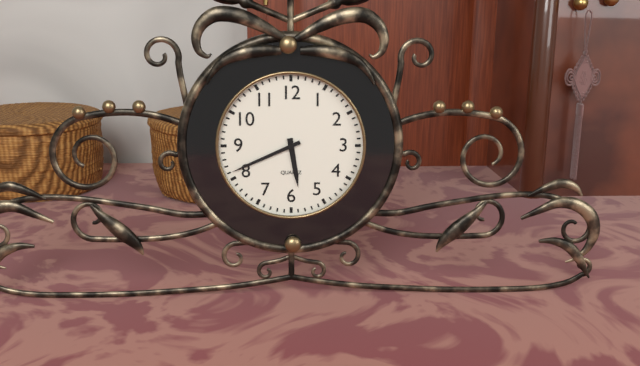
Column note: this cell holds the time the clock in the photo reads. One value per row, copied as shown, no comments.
5:41
